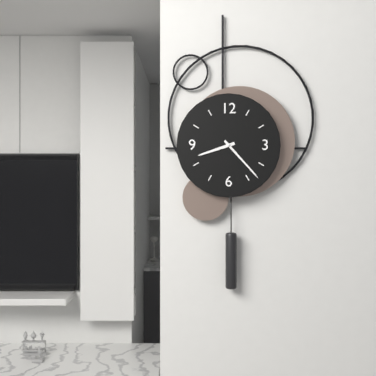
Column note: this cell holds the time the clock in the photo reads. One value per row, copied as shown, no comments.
8:23
